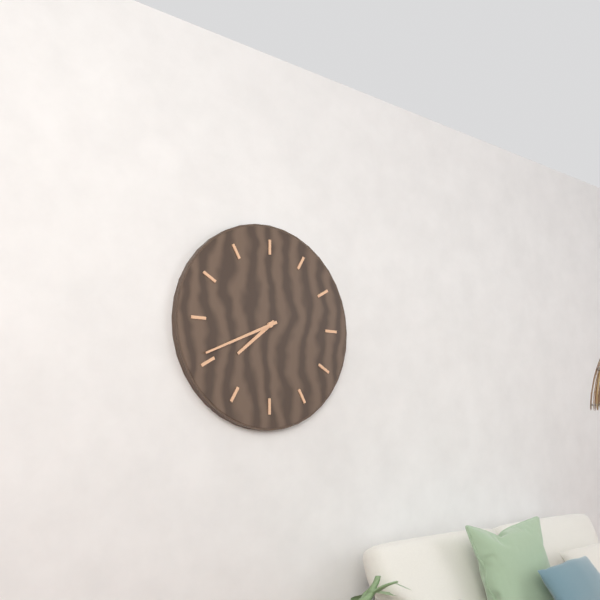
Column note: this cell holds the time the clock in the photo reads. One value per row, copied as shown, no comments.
7:41
